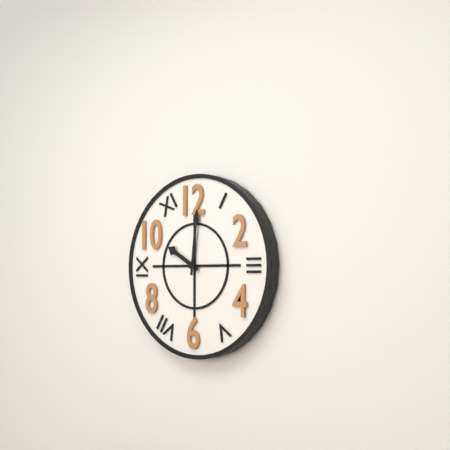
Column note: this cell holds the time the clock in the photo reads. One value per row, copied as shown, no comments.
10:01
